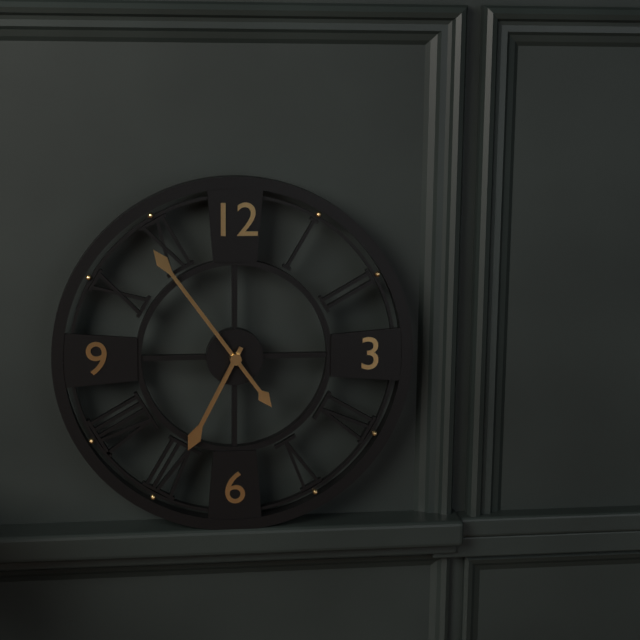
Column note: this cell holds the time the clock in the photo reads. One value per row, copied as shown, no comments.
6:54
